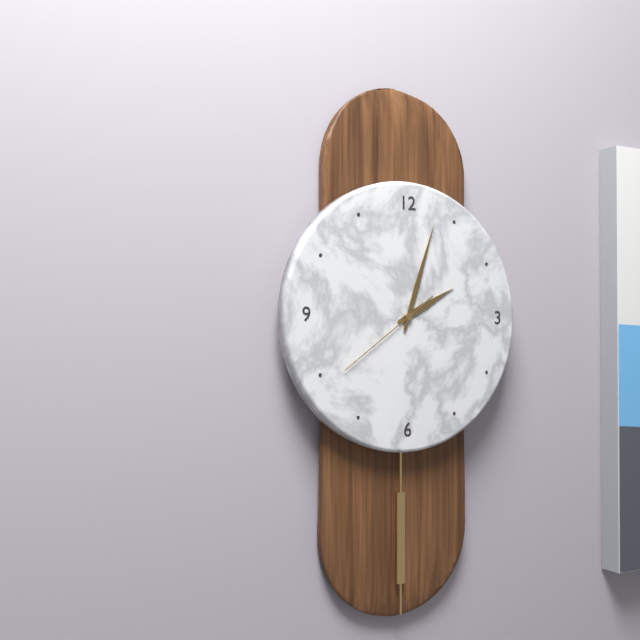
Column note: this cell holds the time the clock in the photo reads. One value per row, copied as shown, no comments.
2:03:39
